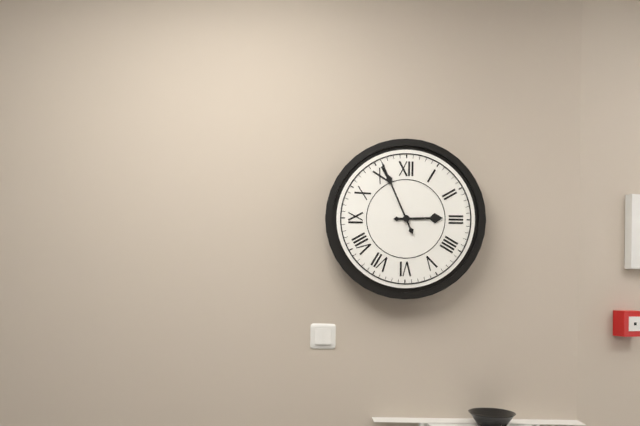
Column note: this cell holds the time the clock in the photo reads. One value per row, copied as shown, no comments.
2:56
